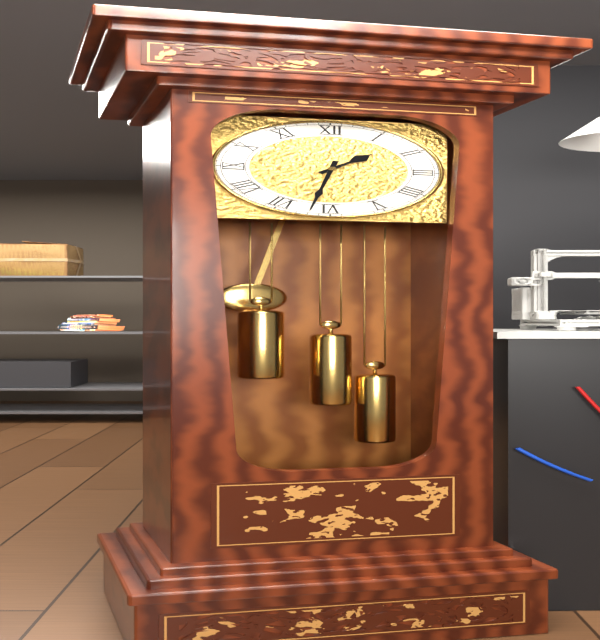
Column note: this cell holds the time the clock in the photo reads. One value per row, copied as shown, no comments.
1:32
